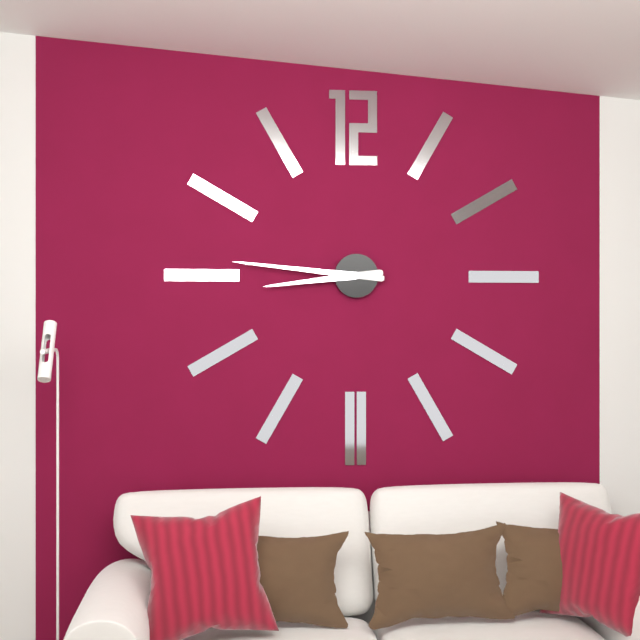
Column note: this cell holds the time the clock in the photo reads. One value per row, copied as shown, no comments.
8:46
